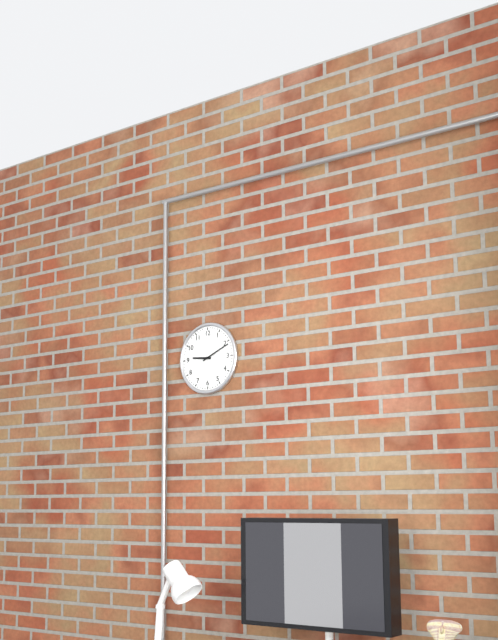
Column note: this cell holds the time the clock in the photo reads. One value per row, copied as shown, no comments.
9:11
